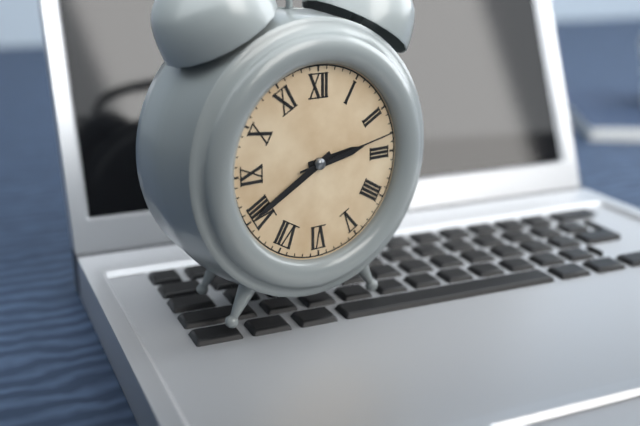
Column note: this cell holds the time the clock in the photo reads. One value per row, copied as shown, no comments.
2:40:13
